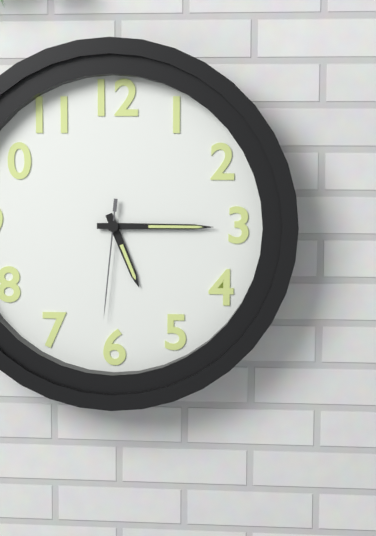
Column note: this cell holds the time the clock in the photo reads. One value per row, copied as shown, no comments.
5:15:31
